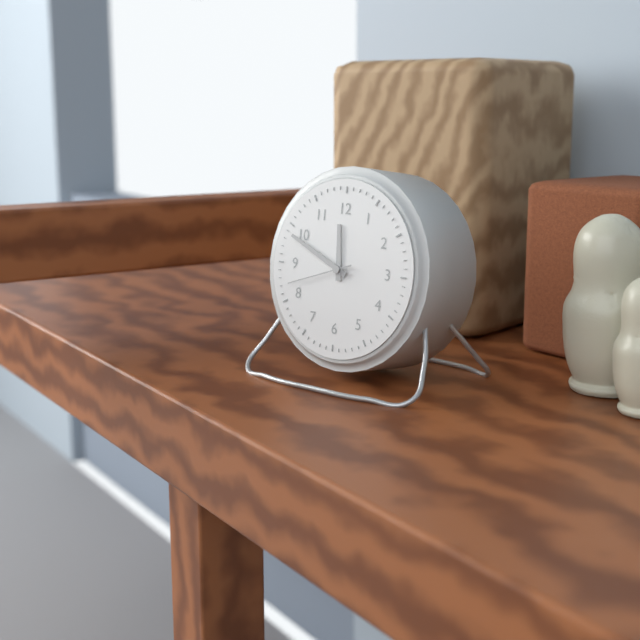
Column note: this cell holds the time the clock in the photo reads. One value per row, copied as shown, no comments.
11:49:42
